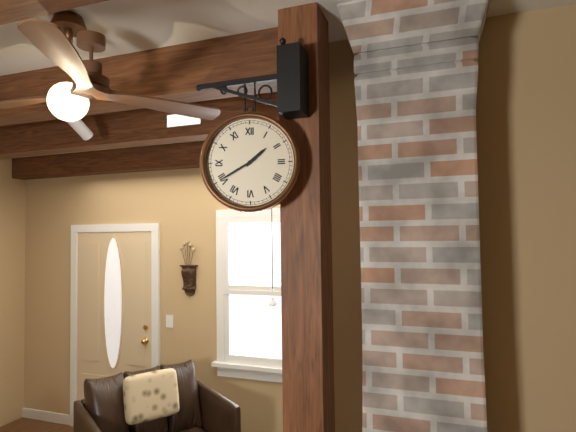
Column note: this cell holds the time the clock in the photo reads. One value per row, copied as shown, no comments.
1:40
